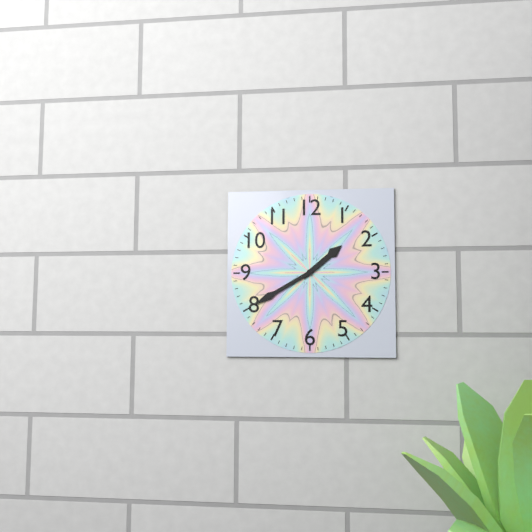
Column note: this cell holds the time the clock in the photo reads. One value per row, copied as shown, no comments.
1:40
